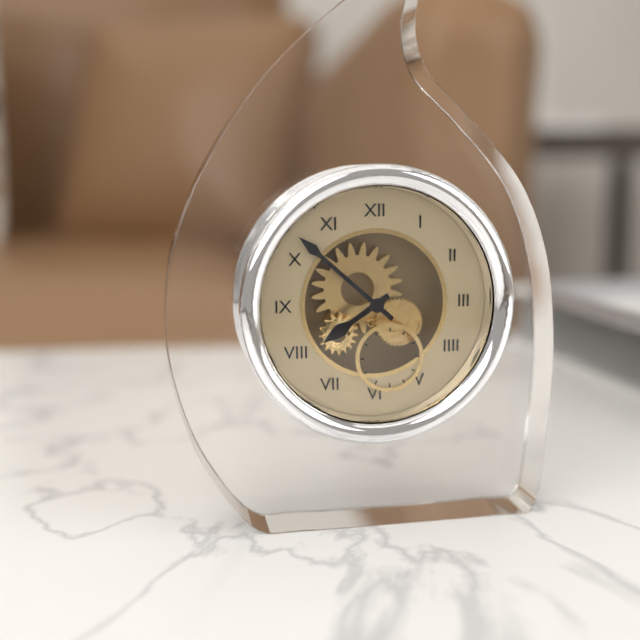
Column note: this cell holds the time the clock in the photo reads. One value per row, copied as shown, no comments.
7:52
